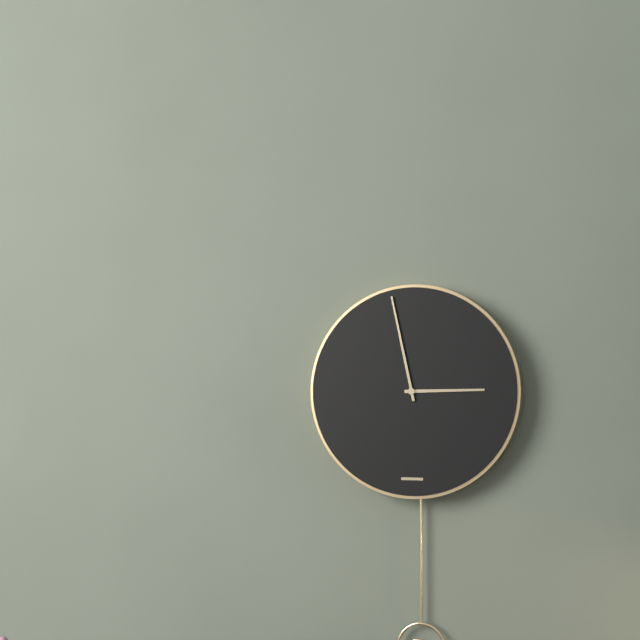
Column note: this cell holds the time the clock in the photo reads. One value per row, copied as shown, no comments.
2:58
